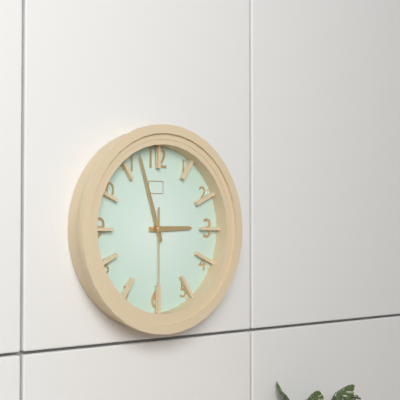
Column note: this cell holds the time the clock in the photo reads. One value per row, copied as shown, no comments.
2:57
